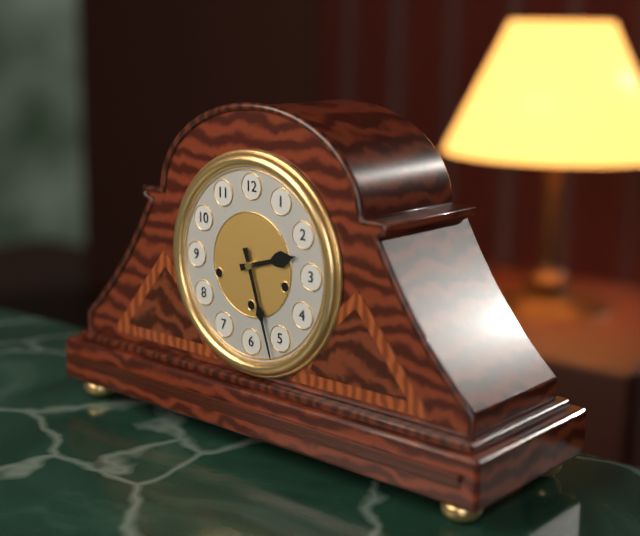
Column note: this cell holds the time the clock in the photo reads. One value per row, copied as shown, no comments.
2:27
